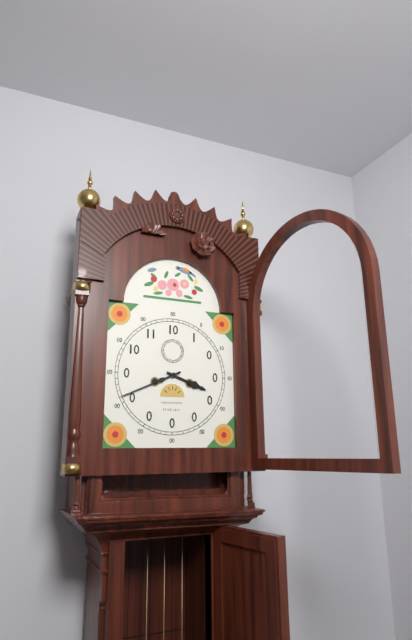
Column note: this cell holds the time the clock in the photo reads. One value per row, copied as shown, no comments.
3:41
